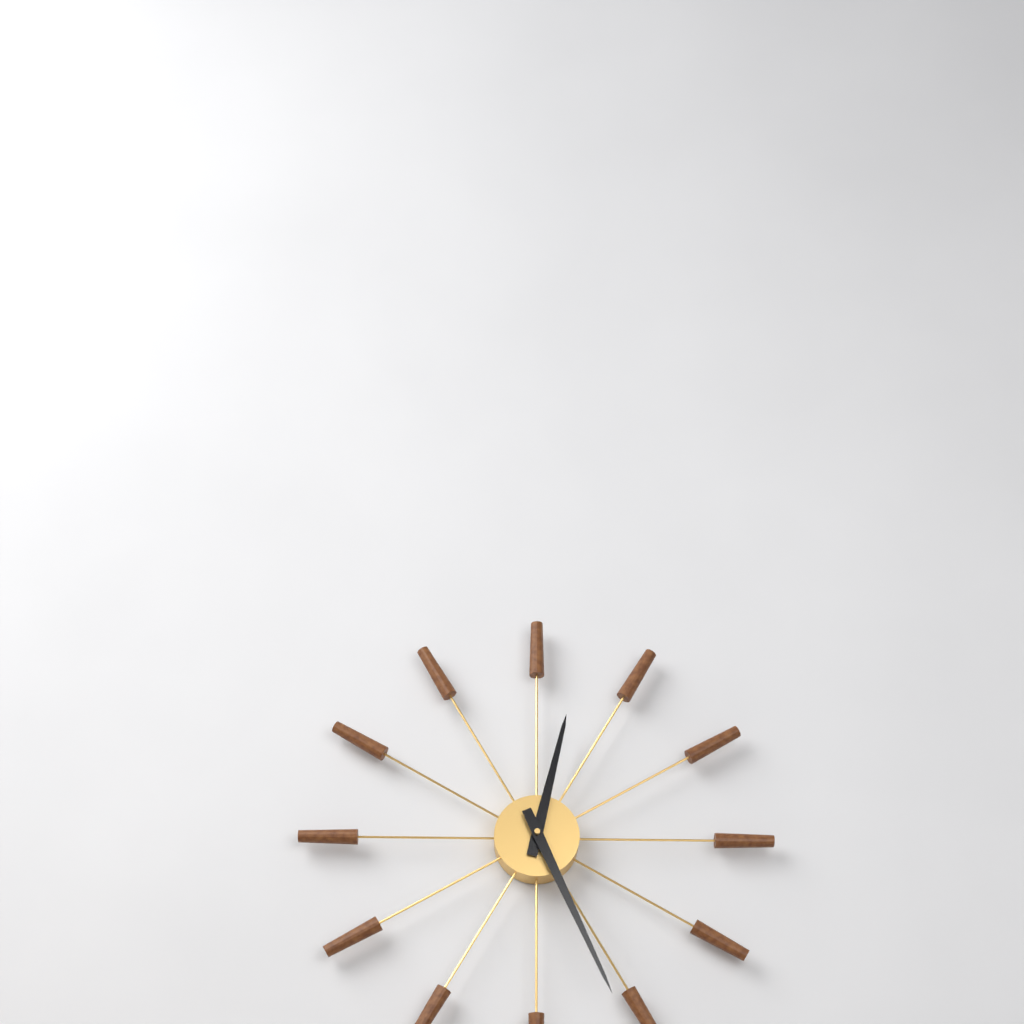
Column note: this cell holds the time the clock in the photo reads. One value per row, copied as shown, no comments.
12:26
